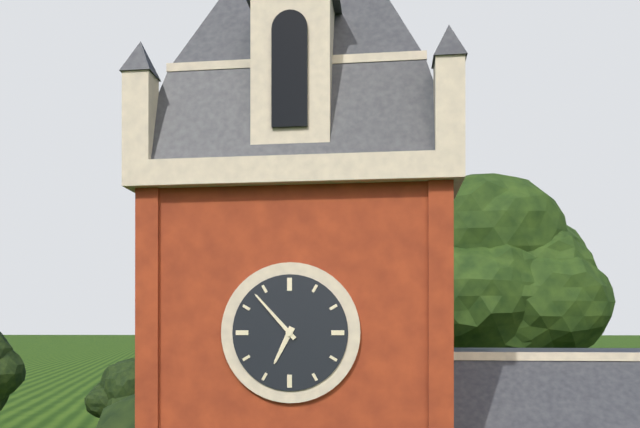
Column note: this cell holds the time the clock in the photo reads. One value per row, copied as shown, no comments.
6:53
